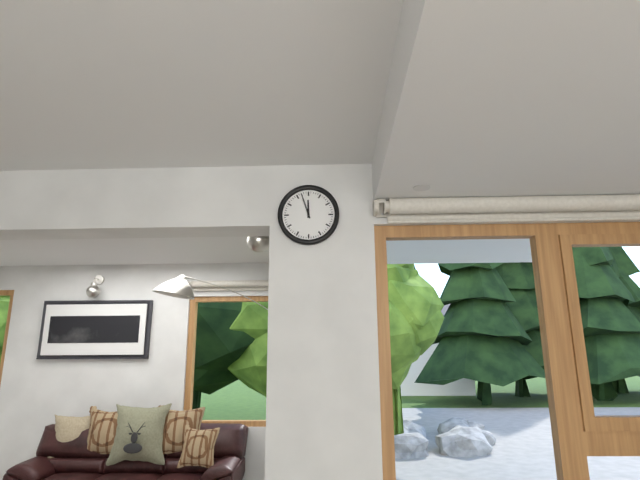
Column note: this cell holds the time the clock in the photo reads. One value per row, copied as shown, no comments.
11:57
